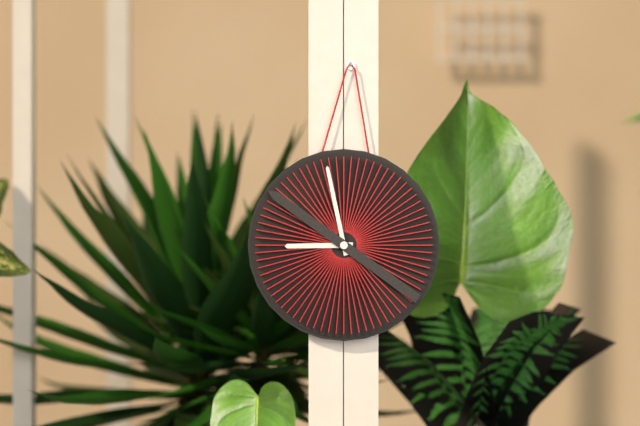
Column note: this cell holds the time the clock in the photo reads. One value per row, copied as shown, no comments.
8:58:51
